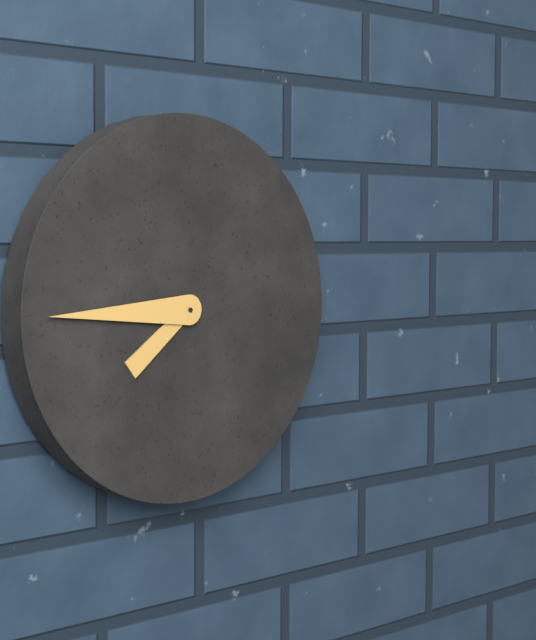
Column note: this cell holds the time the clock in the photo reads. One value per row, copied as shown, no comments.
7:45
